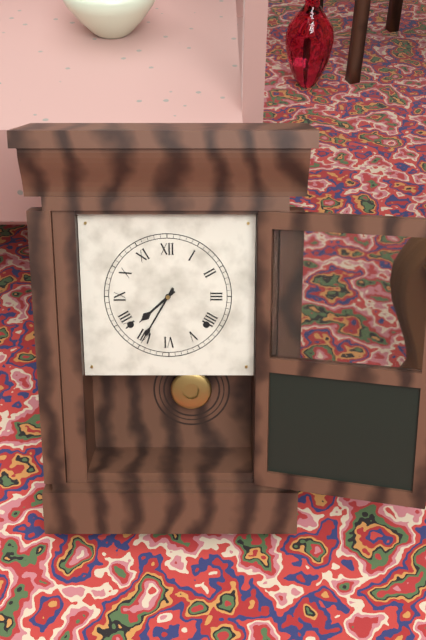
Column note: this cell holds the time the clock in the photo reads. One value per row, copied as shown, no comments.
7:35
